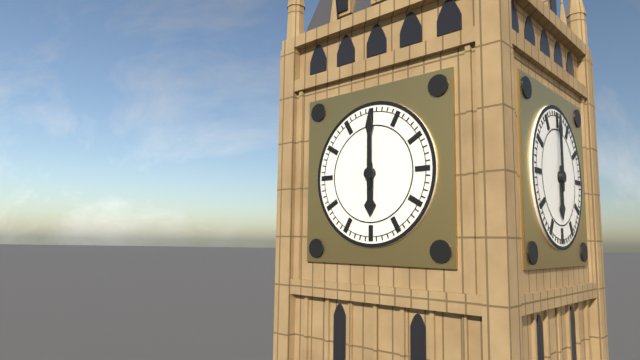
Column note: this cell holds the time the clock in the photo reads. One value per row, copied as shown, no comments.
6:00
